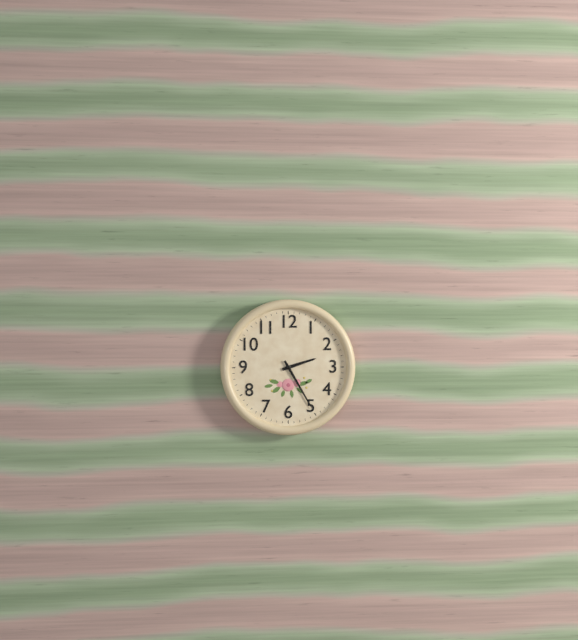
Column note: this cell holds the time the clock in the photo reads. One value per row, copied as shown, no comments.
2:25
